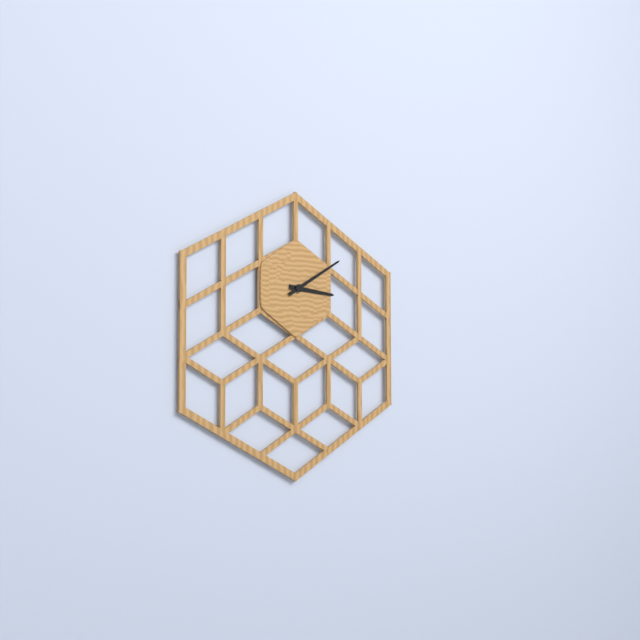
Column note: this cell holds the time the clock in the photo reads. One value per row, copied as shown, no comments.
3:10
